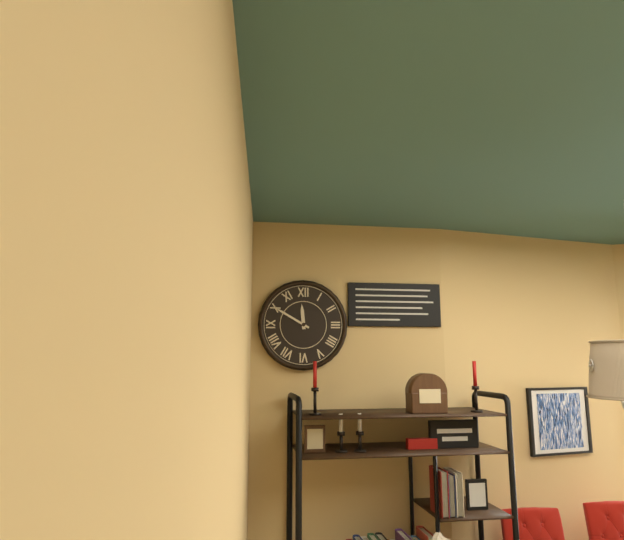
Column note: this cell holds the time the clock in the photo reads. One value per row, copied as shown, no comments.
11:50
